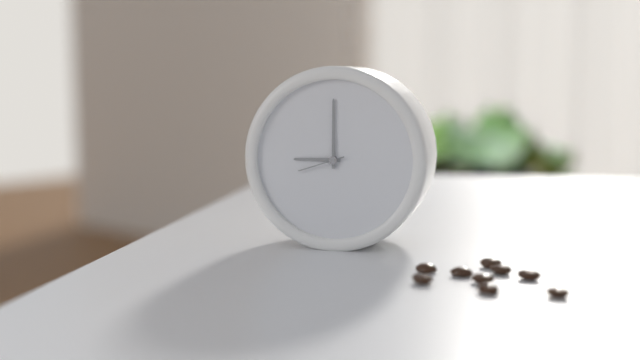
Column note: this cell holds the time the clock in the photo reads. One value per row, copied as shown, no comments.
9:00
